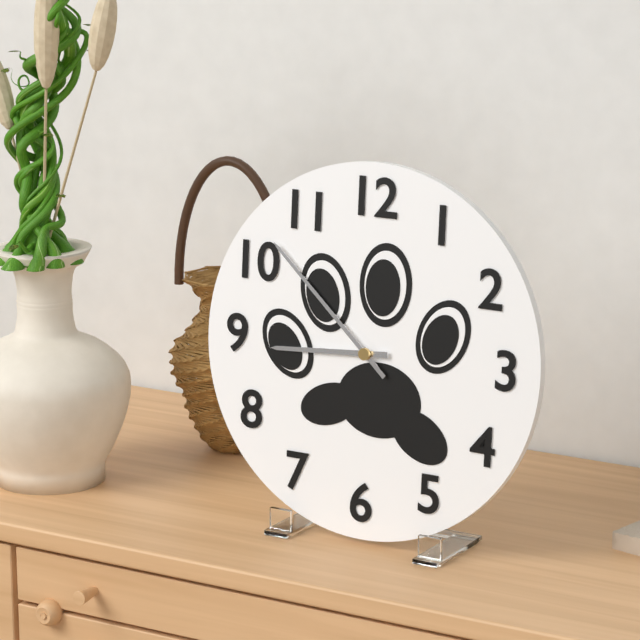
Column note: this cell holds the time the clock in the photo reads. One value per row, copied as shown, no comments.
8:52
